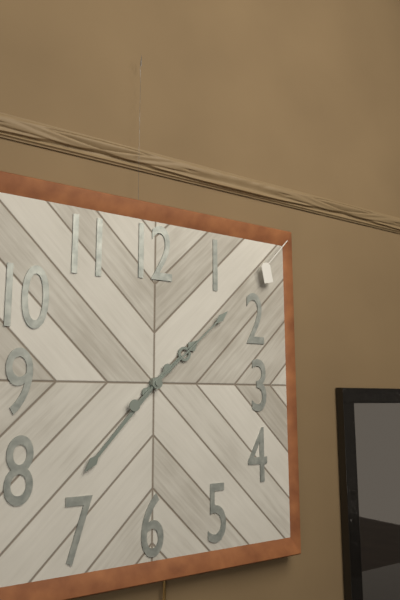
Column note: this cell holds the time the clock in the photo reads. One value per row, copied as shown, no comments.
1:37:08
